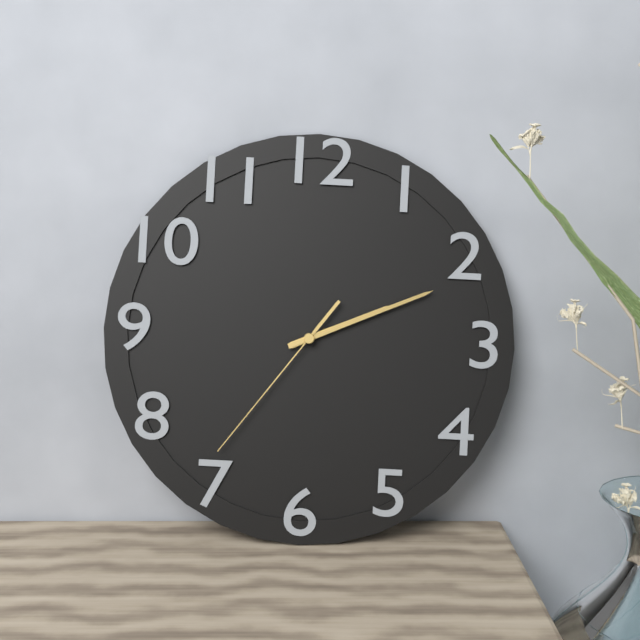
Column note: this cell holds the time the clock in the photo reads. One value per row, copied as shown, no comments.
2:11:36
